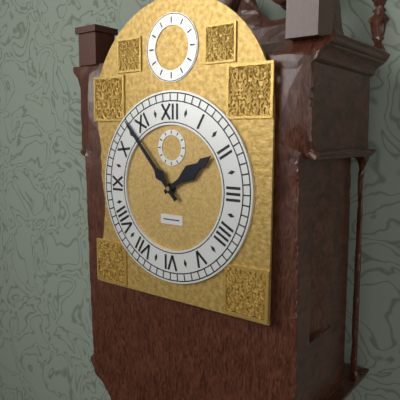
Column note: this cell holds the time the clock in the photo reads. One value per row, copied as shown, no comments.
1:53
